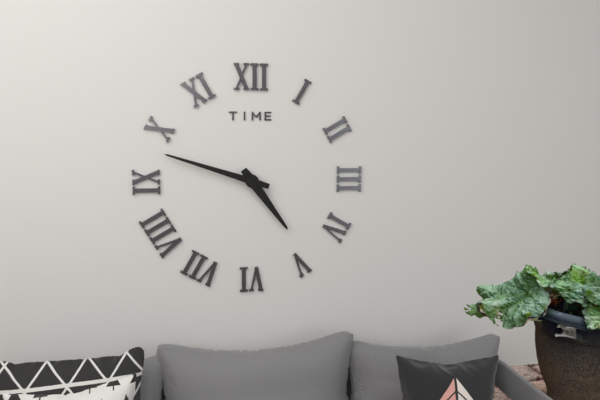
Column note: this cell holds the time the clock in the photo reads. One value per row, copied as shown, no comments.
4:48
